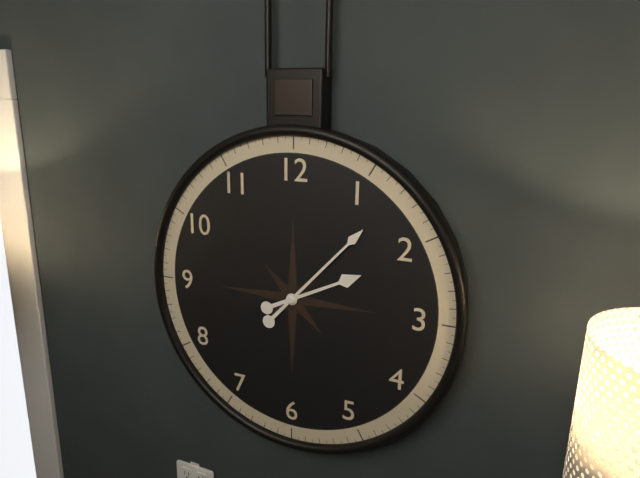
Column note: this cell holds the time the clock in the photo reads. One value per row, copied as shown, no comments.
2:07
